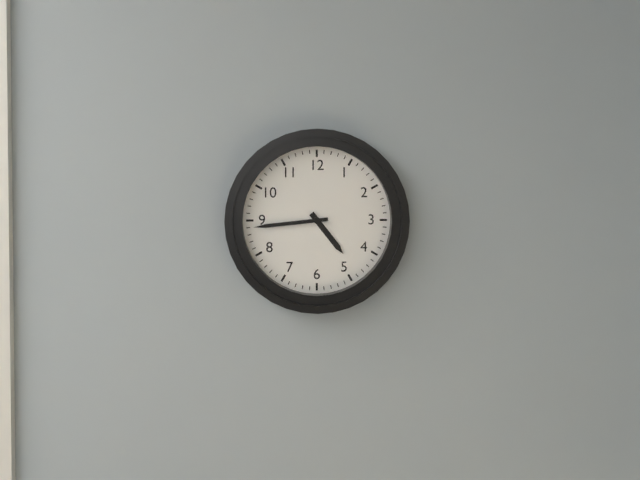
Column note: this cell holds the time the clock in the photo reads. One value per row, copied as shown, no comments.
4:44
